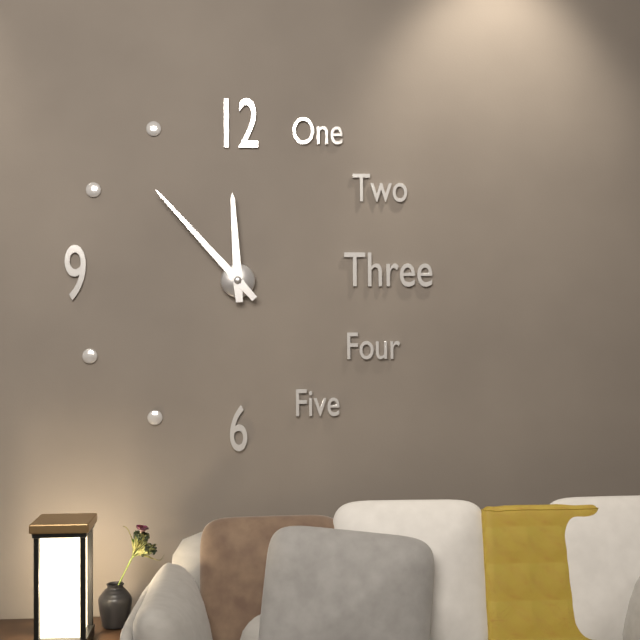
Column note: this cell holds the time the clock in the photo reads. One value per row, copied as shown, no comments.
11:53
